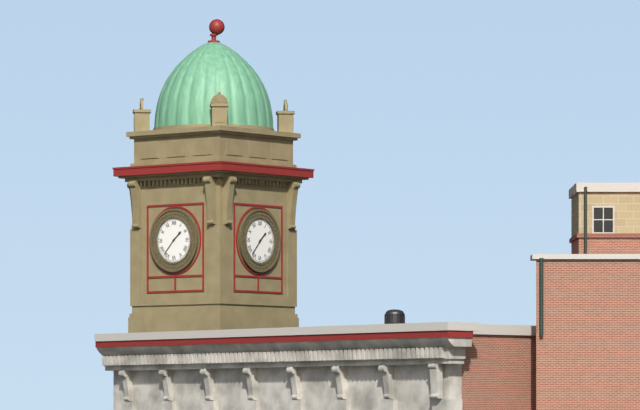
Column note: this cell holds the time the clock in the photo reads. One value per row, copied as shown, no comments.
1:37
